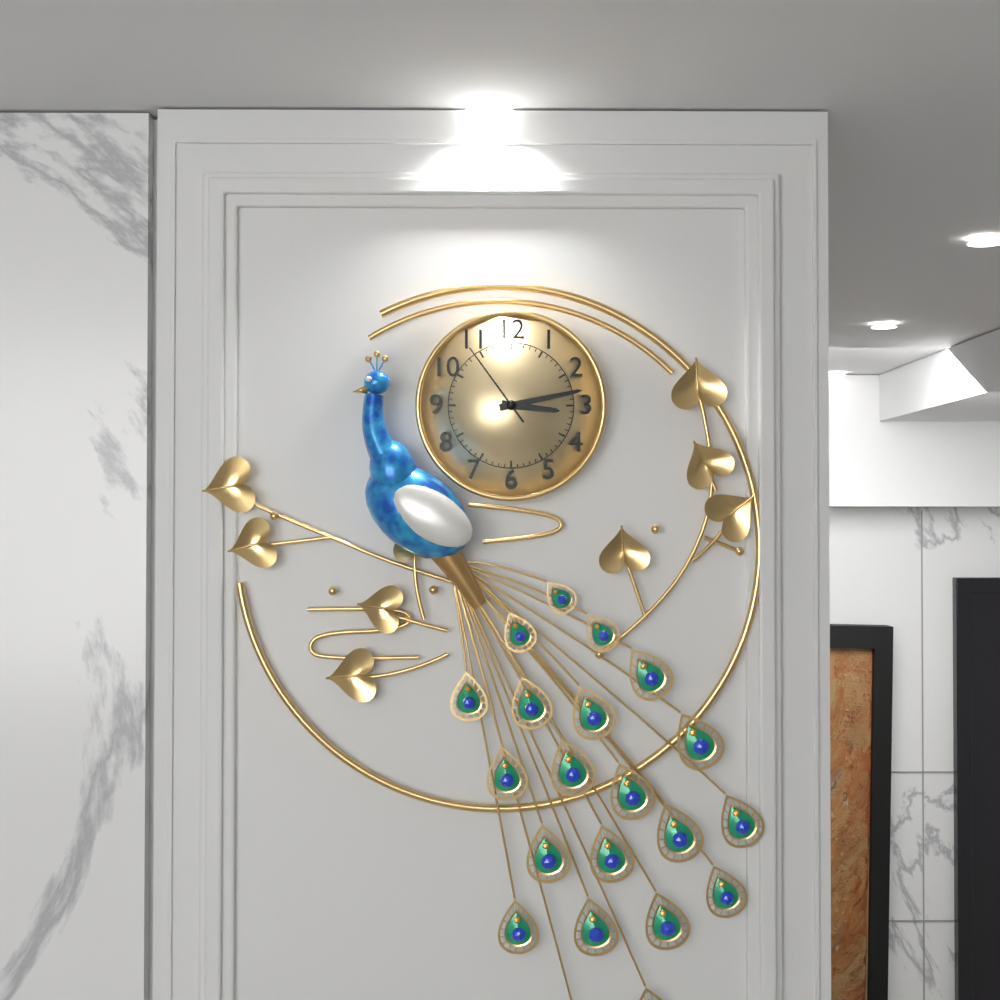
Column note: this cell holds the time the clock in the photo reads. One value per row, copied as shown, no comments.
3:13:54
